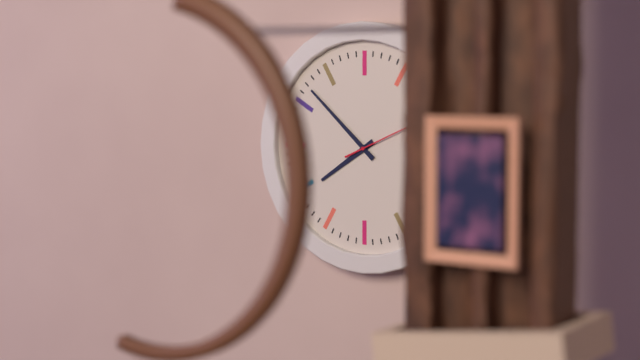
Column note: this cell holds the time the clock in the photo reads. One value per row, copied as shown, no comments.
7:52
